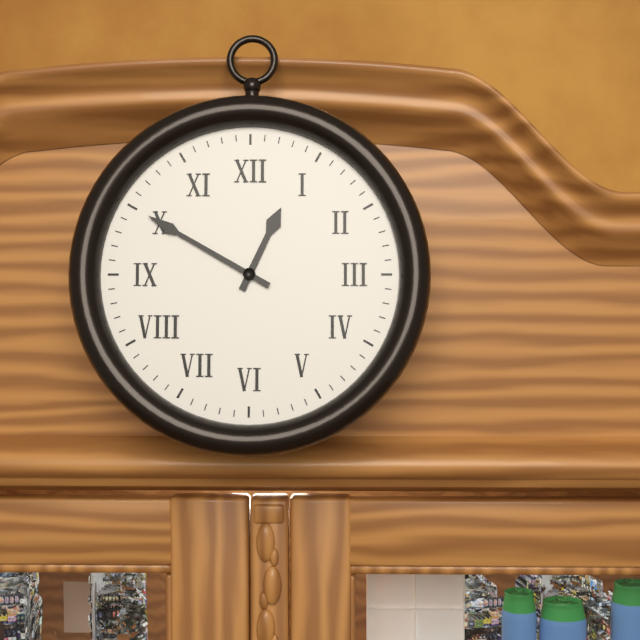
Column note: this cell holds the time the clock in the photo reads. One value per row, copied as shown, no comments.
12:50
